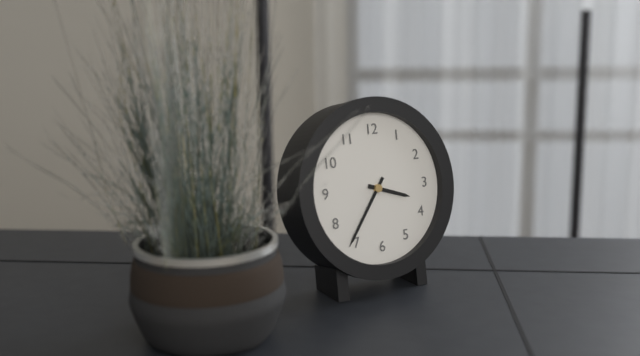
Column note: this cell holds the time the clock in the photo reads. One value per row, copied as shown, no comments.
3:36
